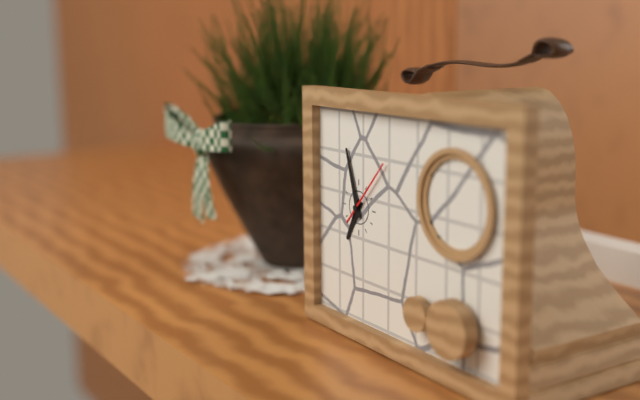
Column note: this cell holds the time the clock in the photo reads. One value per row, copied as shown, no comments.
6:57:07
